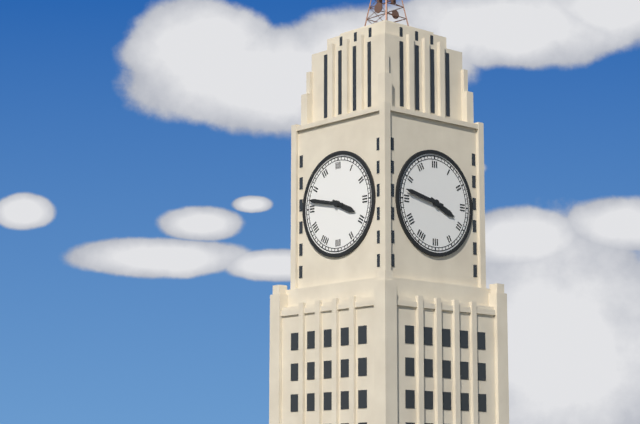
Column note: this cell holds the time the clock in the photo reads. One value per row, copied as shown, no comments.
3:47
